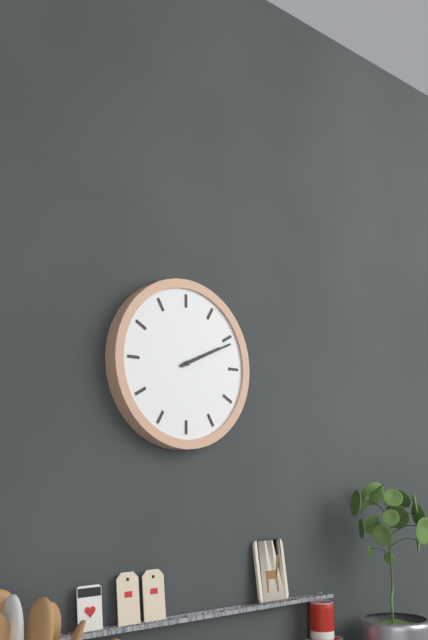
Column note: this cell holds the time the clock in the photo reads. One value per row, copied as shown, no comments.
2:11
